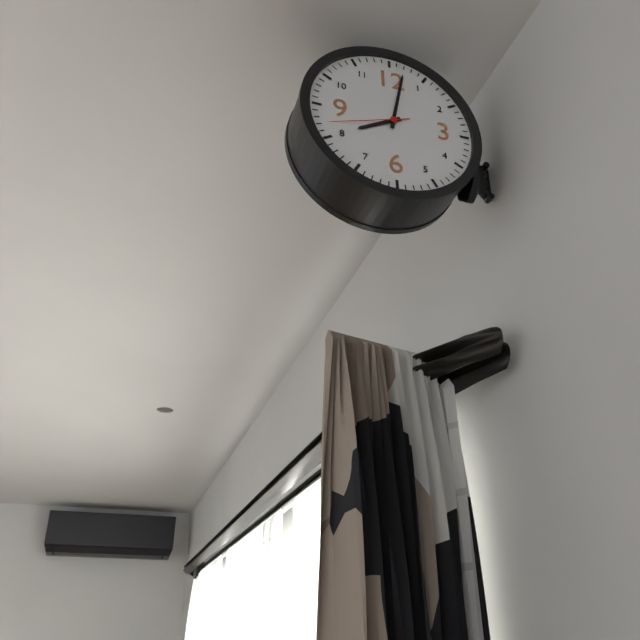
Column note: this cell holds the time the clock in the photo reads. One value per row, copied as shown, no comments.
8:02:42
